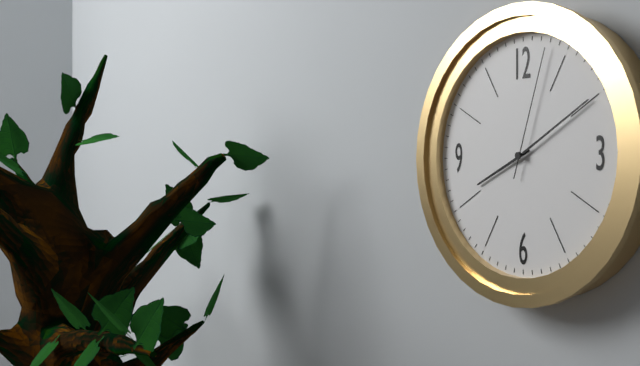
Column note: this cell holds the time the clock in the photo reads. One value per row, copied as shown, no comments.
8:10:03
